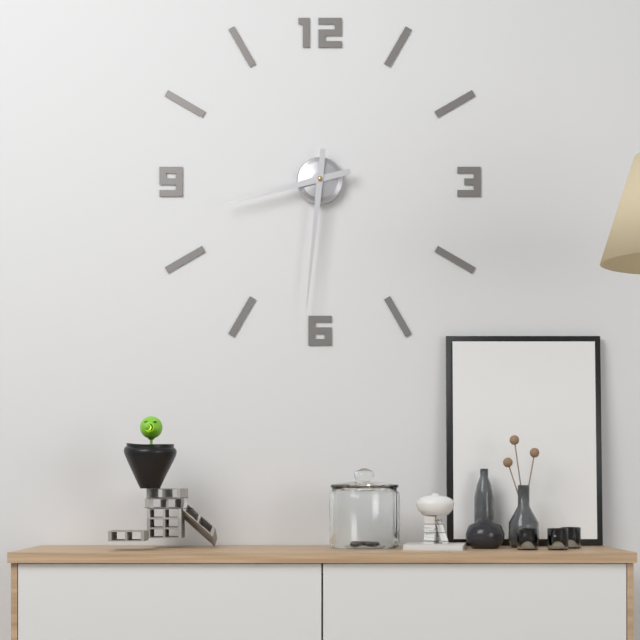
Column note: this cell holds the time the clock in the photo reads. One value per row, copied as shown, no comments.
8:31
